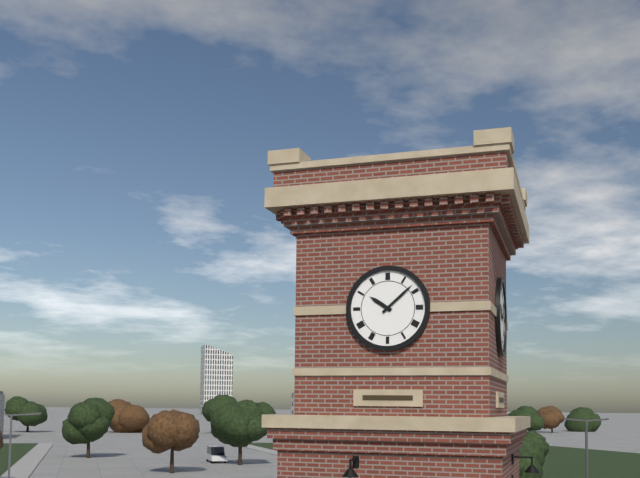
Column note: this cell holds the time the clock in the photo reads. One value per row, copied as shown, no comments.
10:08
